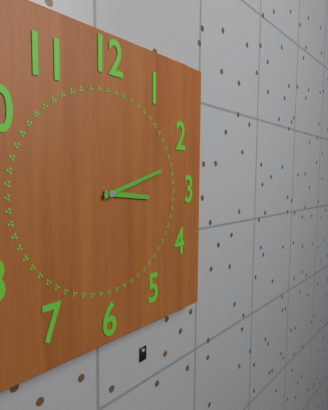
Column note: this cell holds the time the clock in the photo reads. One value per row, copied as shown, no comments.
3:12
